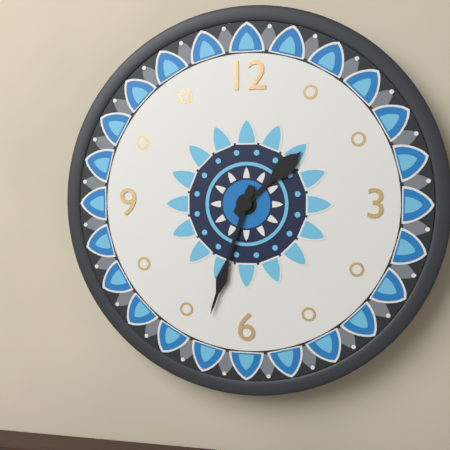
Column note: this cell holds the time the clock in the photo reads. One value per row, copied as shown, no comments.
1:33
